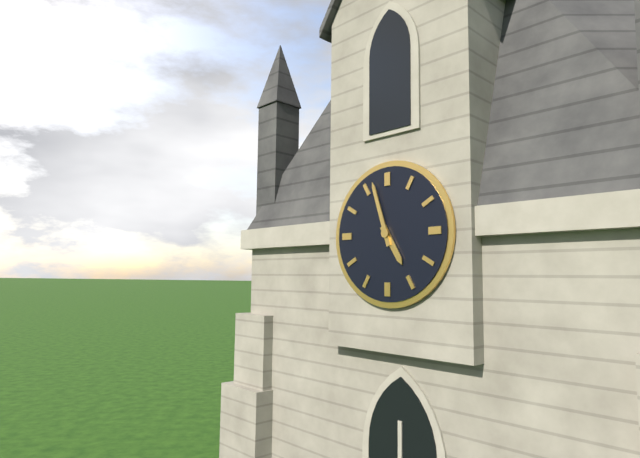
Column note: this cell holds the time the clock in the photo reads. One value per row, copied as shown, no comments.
4:57
